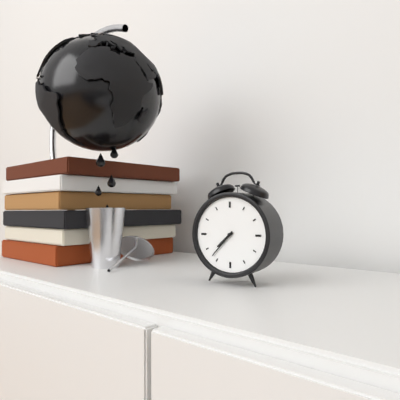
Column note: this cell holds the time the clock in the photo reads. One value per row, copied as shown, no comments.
7:37
